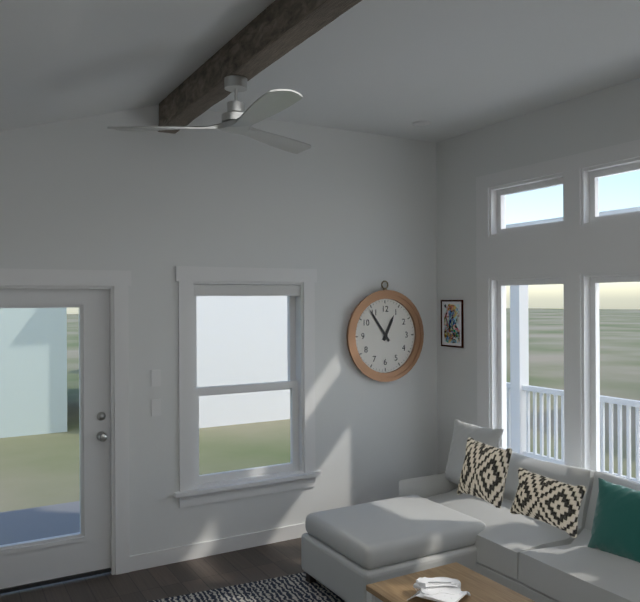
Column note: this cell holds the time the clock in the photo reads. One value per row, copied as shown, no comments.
12:54
